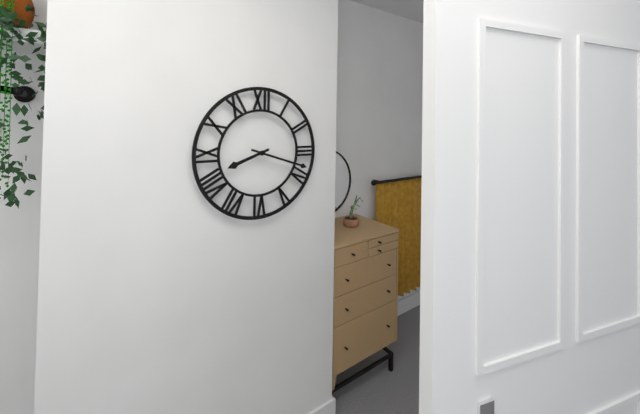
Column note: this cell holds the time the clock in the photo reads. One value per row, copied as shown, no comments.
8:18
